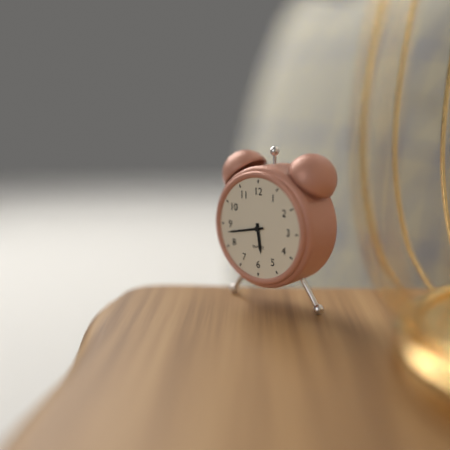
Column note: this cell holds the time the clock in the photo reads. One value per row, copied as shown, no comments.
5:43
